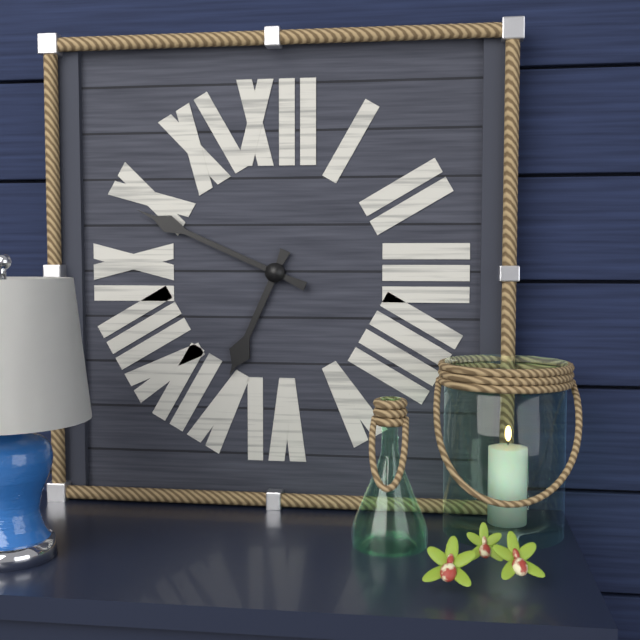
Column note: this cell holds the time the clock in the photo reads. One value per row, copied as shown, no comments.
6:49
